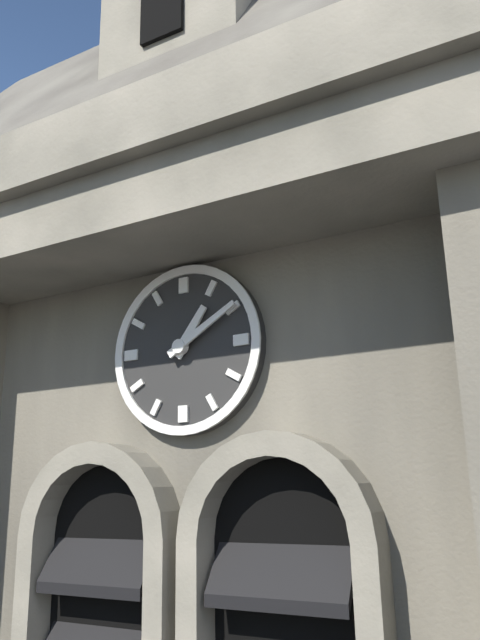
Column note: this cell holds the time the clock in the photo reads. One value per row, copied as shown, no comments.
1:10
